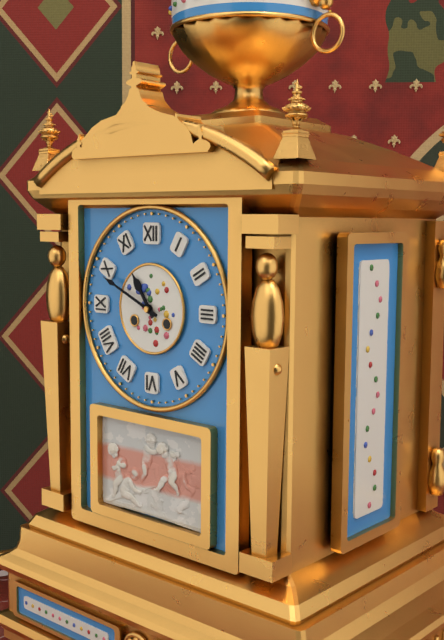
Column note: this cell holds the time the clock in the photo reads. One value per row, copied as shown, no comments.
10:49
